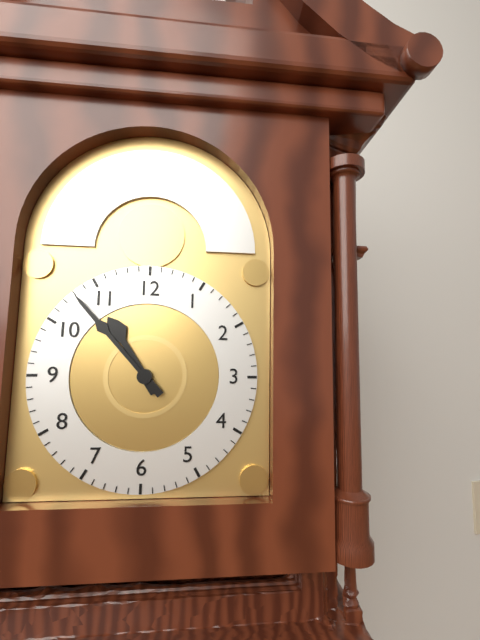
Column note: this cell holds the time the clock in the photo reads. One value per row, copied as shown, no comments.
10:53
